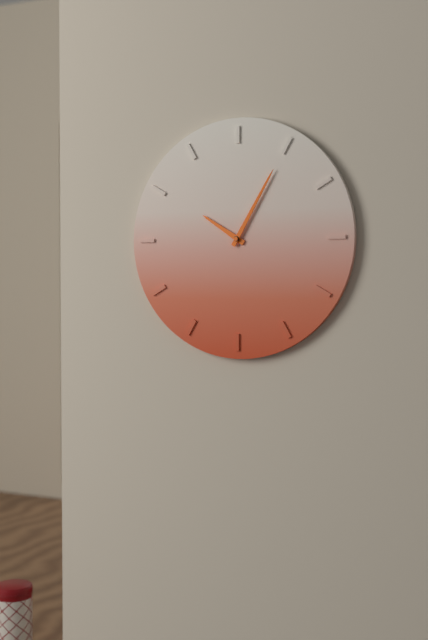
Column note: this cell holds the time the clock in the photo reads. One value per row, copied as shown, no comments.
10:05
